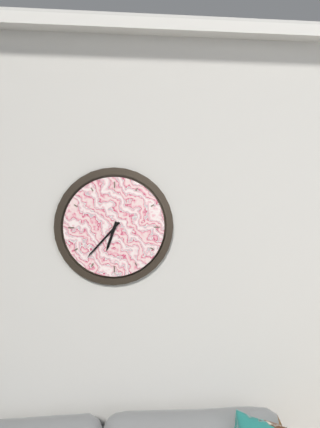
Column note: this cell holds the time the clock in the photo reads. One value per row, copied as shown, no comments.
6:37
